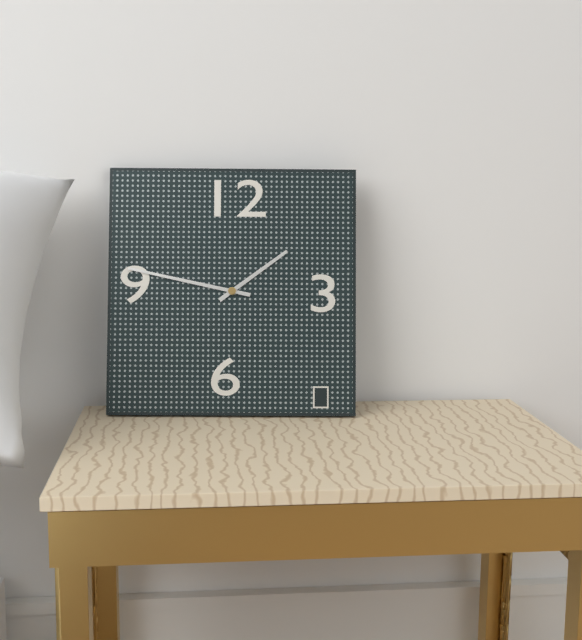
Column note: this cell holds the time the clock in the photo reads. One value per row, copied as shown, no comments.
1:47
